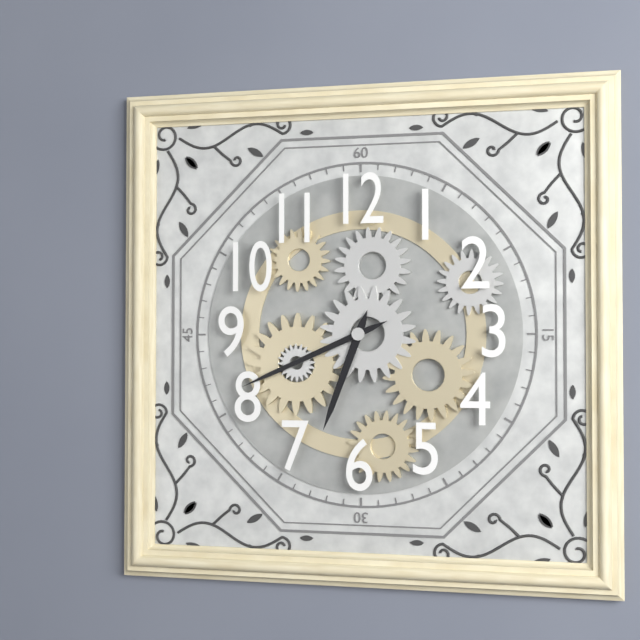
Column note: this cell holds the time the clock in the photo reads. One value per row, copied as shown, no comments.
6:41
